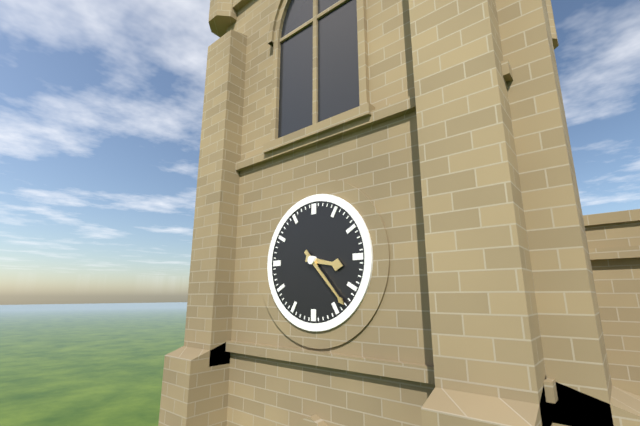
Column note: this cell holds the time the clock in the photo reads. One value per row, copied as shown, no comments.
3:23
